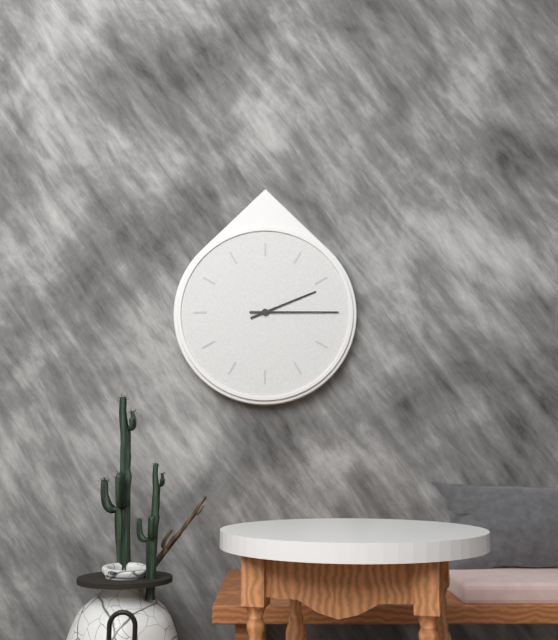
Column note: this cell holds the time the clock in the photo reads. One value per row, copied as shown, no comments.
2:15
